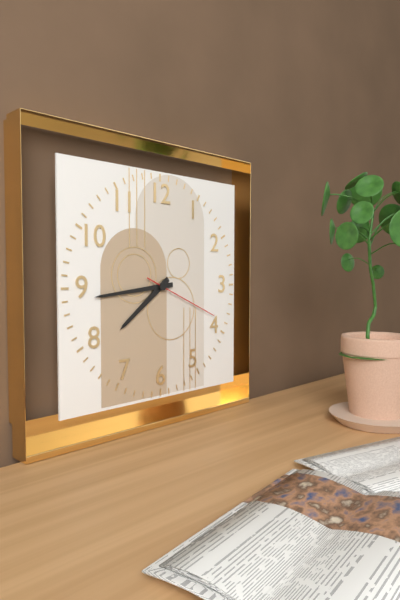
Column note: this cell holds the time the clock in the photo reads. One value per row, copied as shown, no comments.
7:44:19
